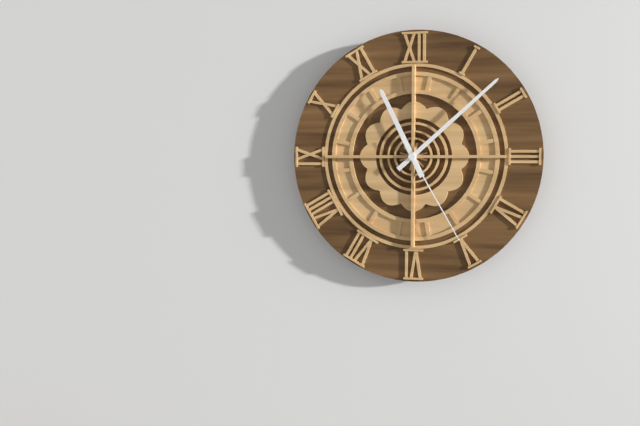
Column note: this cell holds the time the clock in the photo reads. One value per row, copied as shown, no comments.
11:08:25
